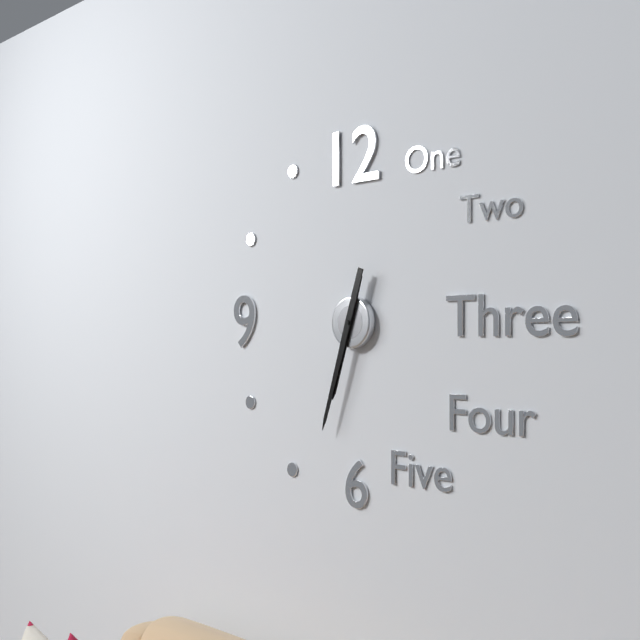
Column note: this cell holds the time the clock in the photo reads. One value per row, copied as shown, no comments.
6:33
